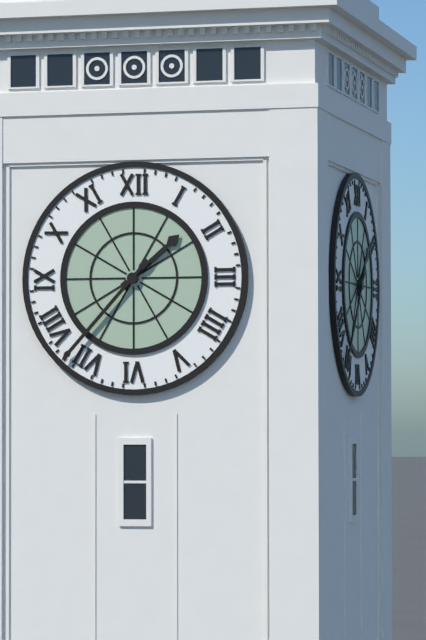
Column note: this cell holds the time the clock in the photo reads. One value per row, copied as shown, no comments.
1:37
